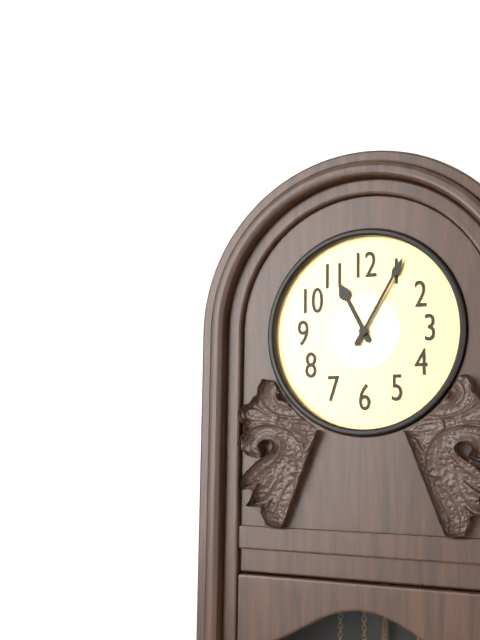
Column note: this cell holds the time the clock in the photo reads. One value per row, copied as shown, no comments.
11:05
